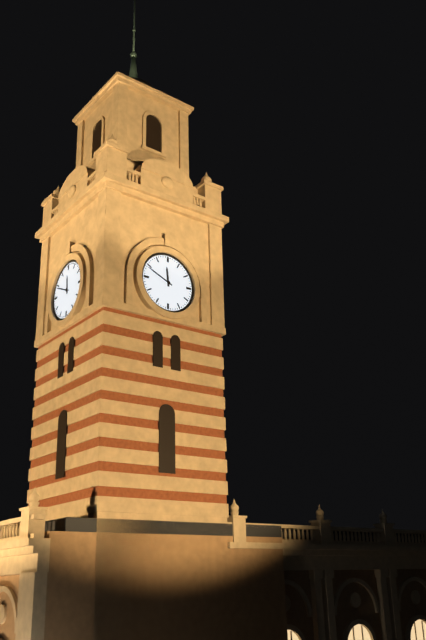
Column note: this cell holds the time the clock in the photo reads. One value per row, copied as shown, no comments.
11:49
